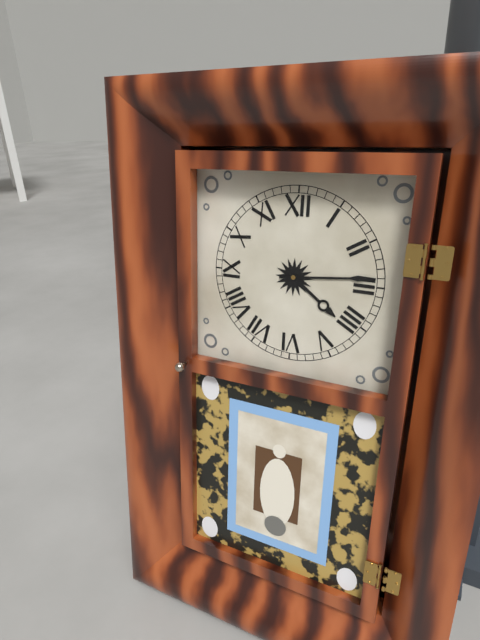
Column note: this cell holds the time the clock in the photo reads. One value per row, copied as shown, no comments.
4:14
